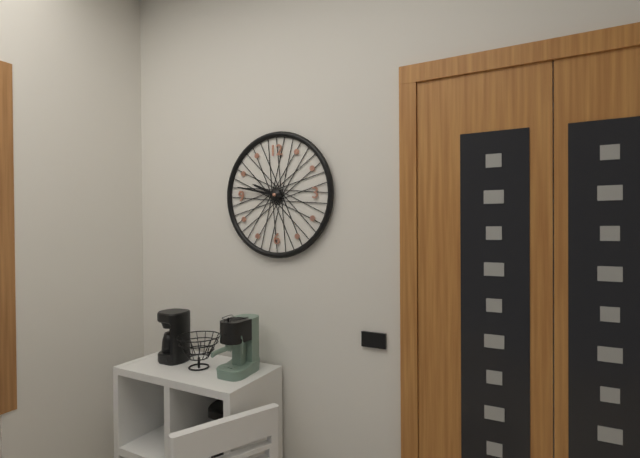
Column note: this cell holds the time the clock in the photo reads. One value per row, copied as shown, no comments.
9:47
